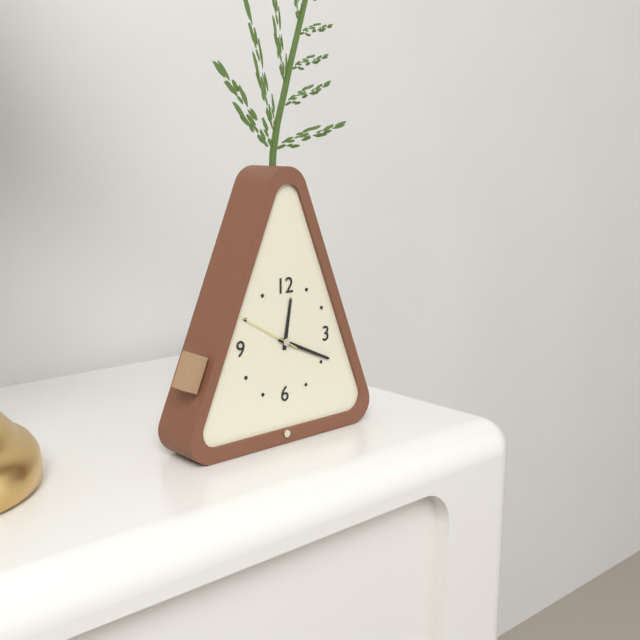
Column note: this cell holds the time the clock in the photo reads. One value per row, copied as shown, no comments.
12:19:50
